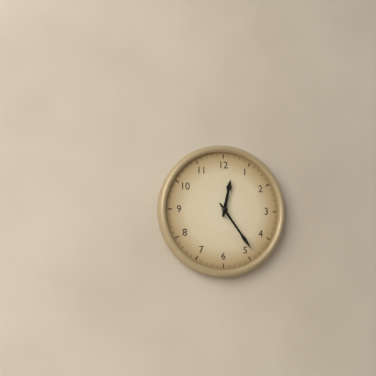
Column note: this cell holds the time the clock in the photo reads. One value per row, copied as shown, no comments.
12:24
